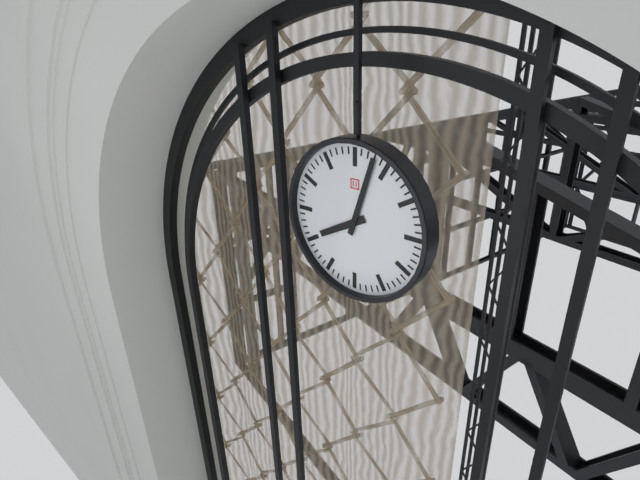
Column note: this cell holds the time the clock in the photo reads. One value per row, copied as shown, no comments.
8:03
